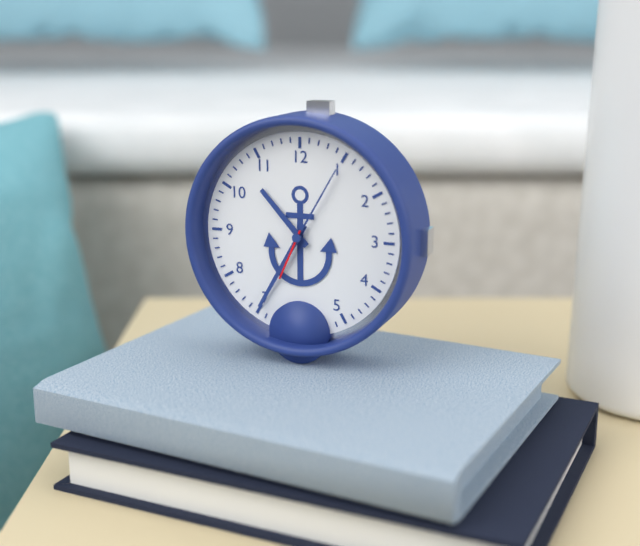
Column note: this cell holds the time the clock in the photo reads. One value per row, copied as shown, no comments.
10:35:34
